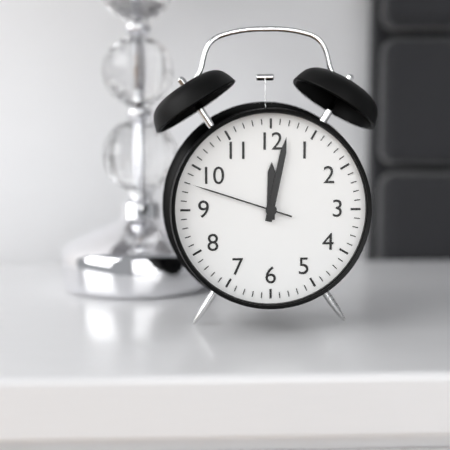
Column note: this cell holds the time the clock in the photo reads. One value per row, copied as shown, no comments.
12:02:48
